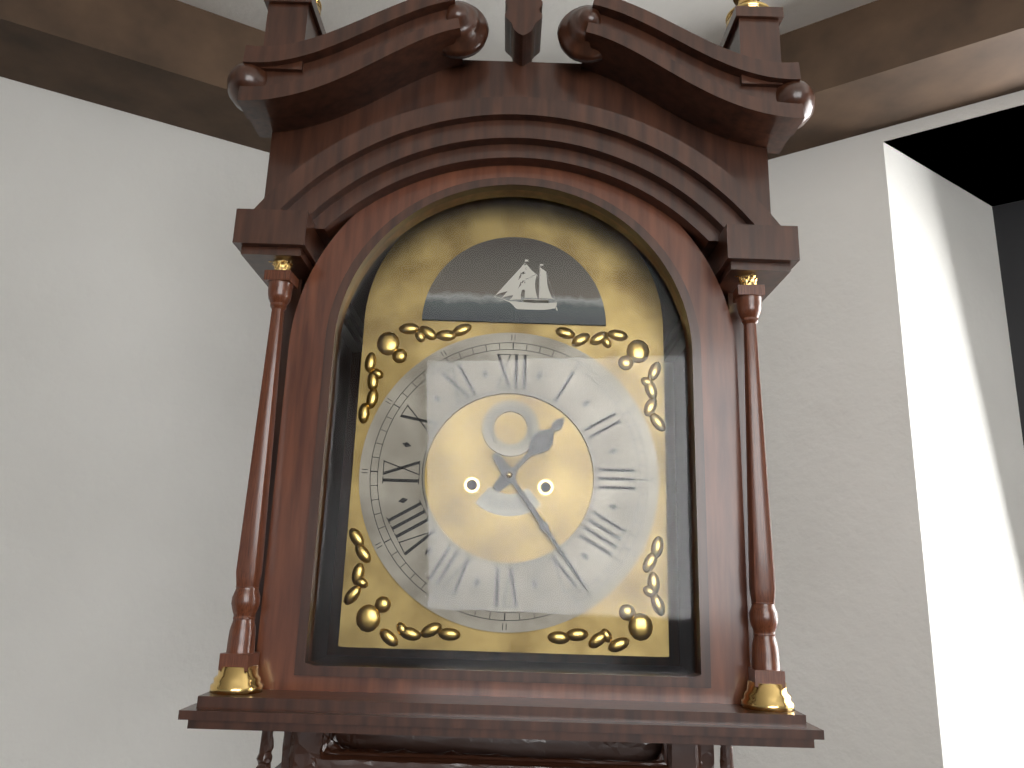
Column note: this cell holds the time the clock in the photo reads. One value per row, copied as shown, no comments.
1:24
